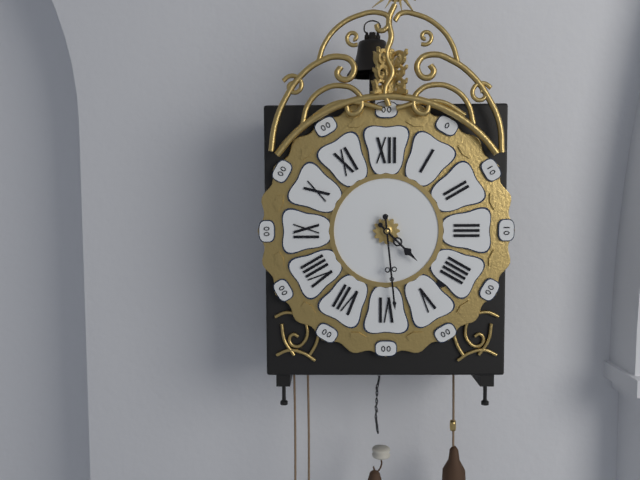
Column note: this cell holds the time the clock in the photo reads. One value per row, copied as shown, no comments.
4:29
